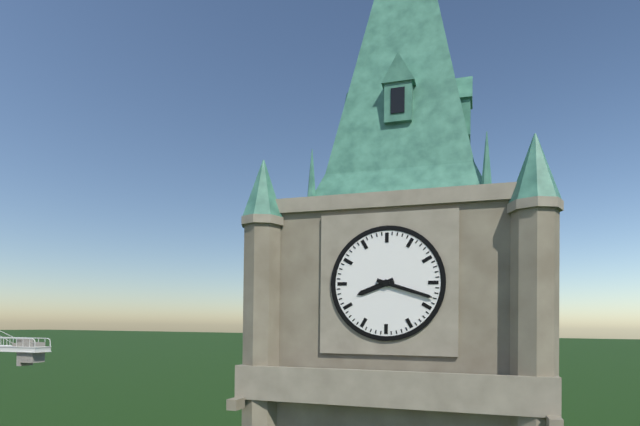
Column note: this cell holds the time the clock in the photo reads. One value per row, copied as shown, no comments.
8:18
